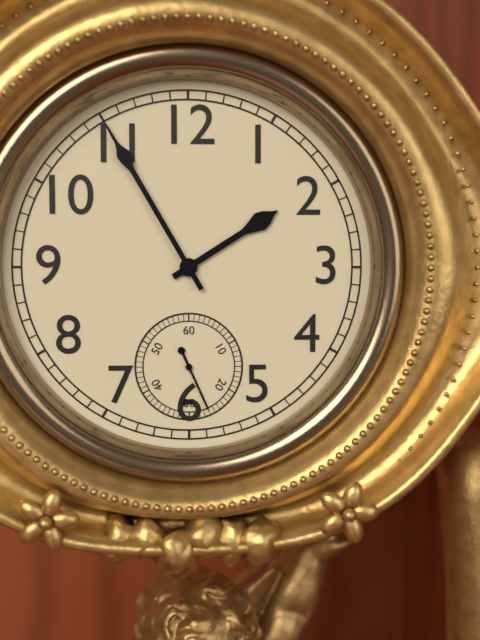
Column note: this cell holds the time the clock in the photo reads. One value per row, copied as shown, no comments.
1:55:26
